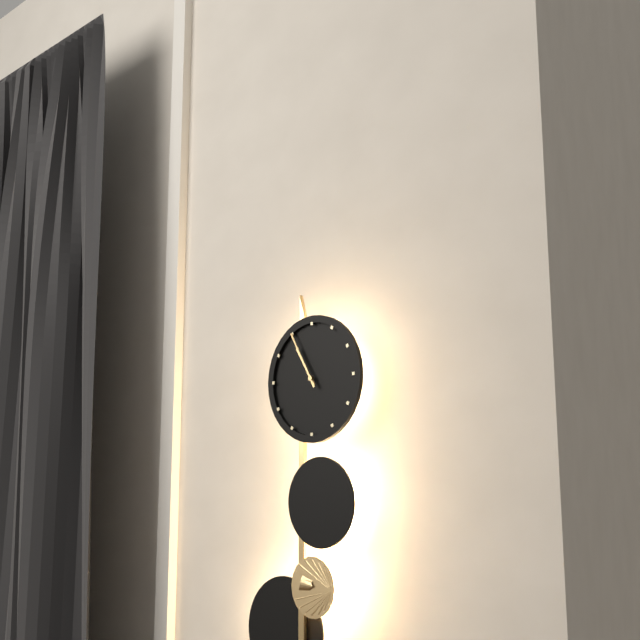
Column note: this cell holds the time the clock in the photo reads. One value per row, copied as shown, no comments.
10:55
